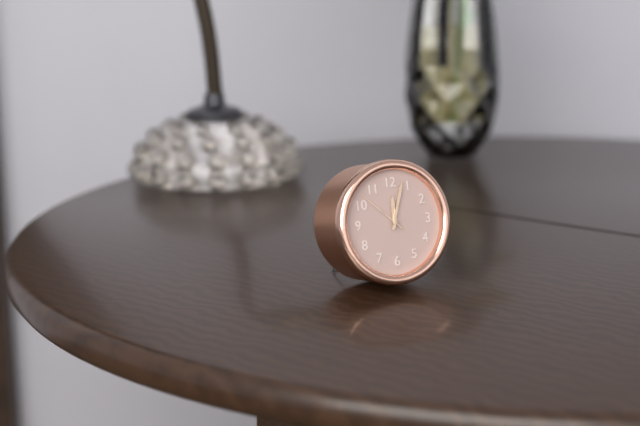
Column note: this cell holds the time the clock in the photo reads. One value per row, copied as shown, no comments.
12:03:52
